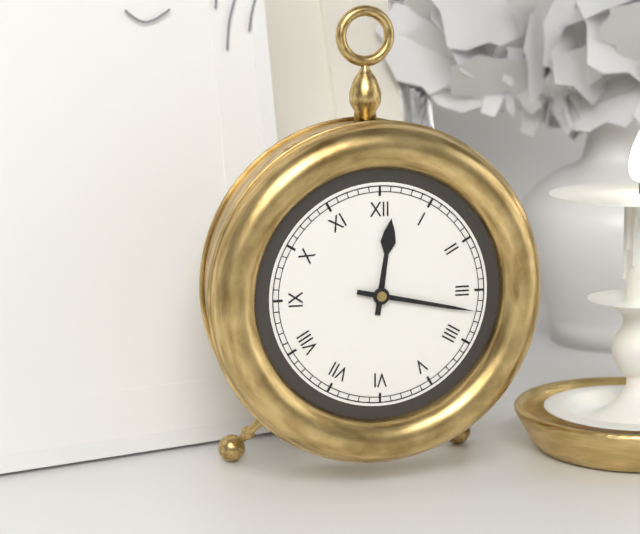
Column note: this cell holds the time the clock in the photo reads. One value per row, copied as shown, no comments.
12:17
